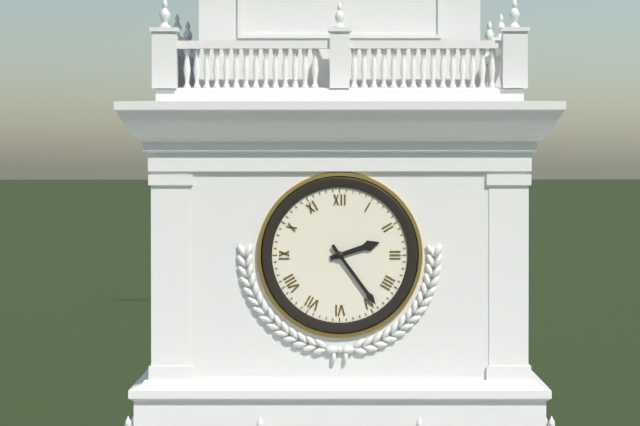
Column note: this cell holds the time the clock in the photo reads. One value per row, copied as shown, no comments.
2:24
